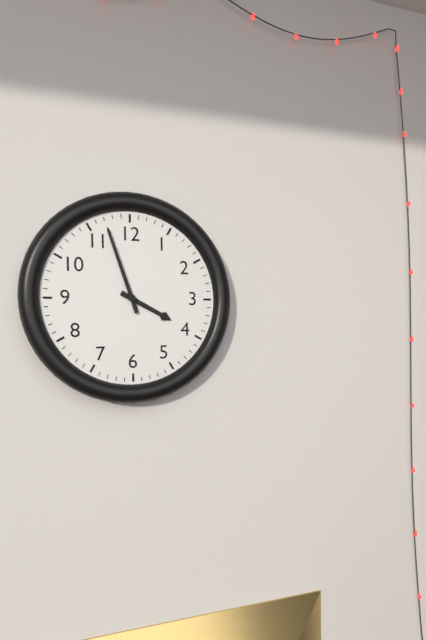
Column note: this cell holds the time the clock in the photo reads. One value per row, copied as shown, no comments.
3:57
